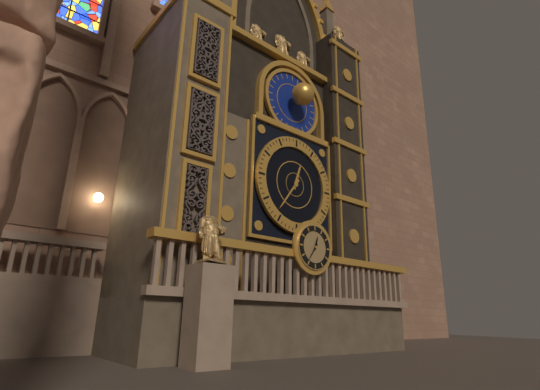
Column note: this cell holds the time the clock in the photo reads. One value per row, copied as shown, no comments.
12:36
